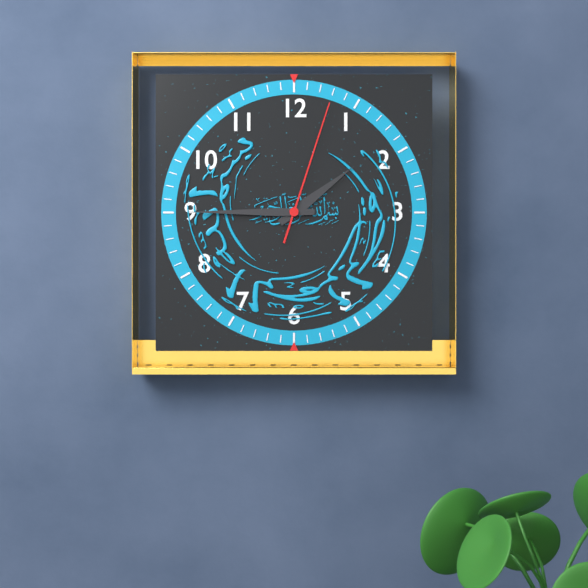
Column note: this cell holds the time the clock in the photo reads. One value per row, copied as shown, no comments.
1:45:03
